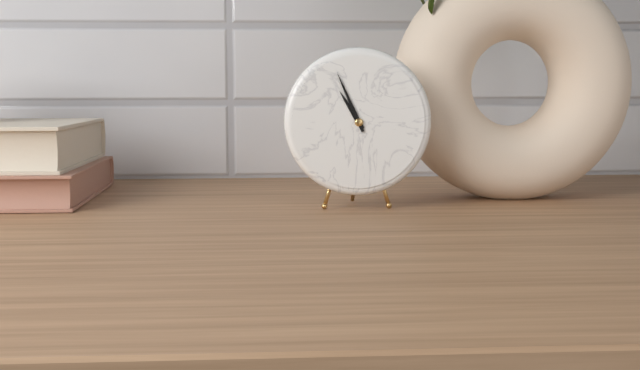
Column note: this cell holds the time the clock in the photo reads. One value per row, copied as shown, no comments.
10:56
